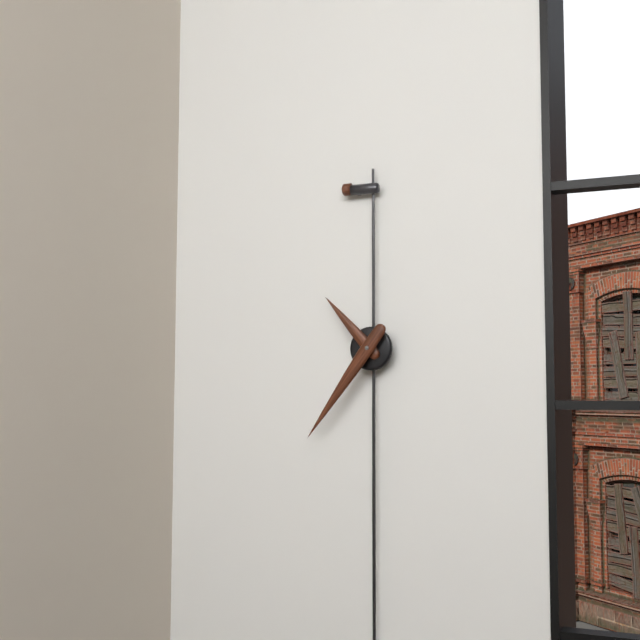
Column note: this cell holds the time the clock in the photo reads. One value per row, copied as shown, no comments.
10:36
